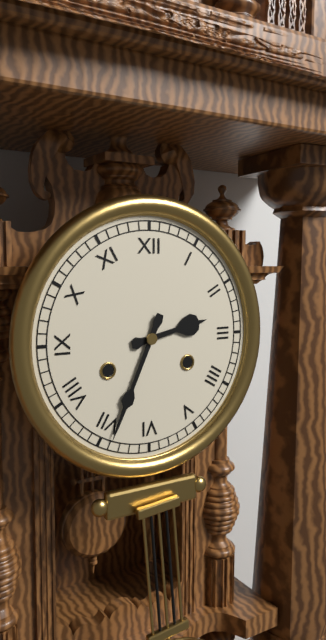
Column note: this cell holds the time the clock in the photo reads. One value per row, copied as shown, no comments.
2:34
